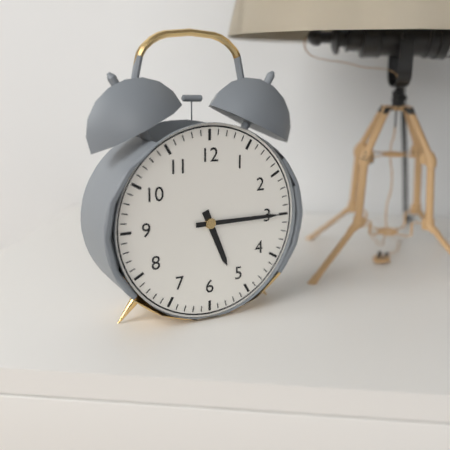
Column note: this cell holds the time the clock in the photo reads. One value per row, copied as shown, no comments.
5:15
